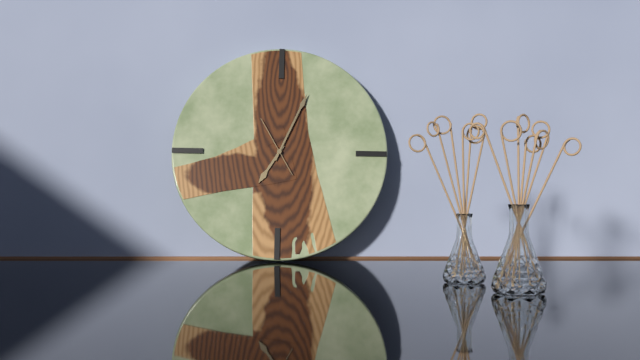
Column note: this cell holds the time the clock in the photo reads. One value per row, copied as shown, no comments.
7:04:55
